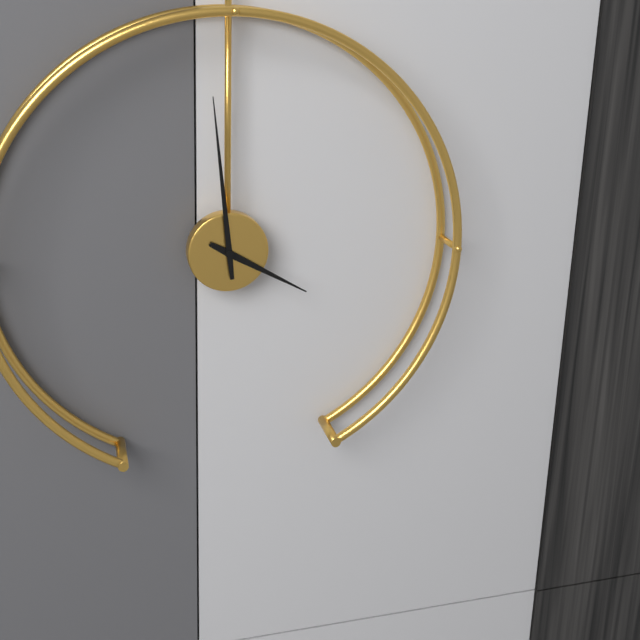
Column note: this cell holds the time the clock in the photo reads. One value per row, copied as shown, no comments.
3:59
